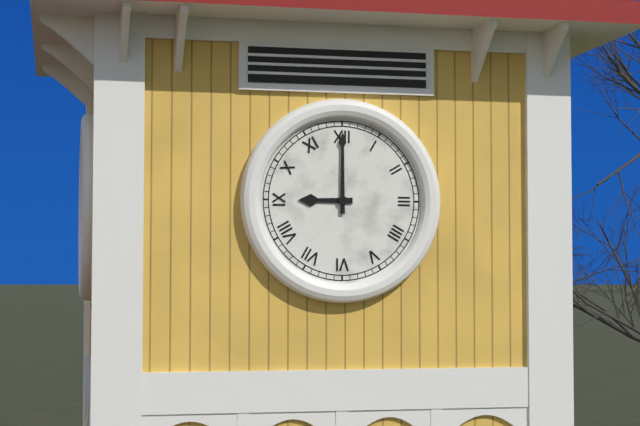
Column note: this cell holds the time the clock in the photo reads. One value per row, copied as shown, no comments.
9:00
